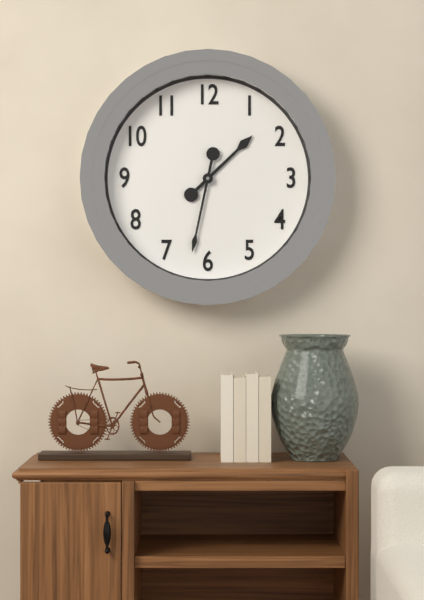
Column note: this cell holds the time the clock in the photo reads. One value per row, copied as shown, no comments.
1:32
